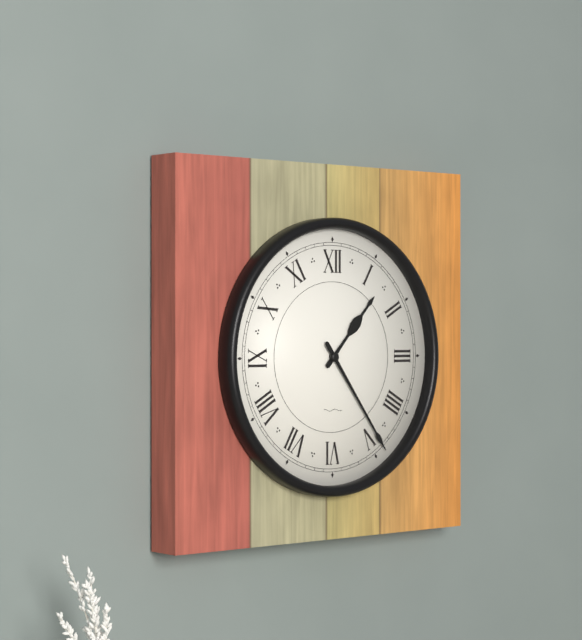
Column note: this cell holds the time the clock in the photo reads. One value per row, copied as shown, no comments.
1:24
